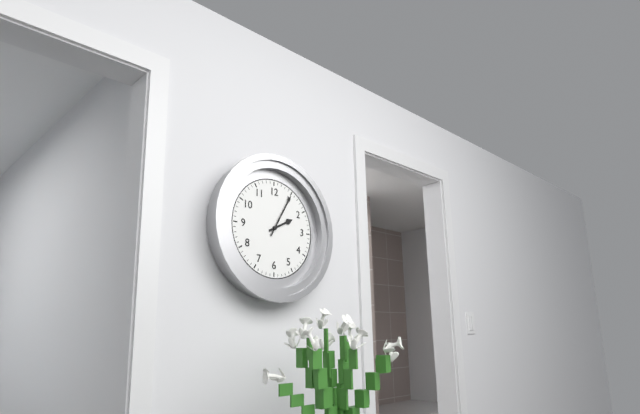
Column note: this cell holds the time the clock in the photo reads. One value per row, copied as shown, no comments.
2:05
